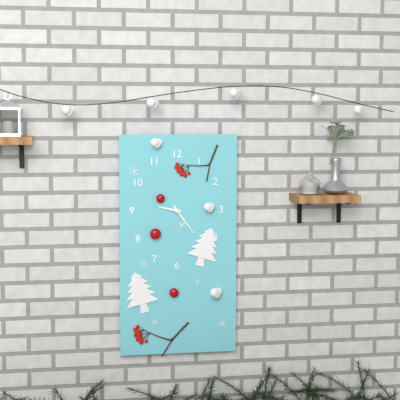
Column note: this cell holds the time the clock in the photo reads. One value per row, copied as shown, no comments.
9:24
